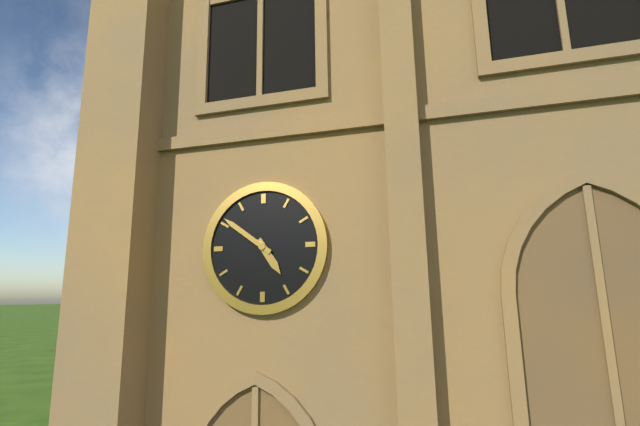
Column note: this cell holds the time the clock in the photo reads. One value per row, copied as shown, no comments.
4:51
